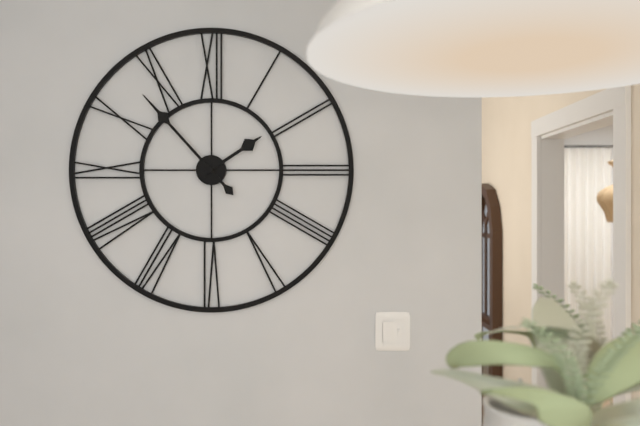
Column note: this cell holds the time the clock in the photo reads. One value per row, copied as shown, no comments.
1:53
